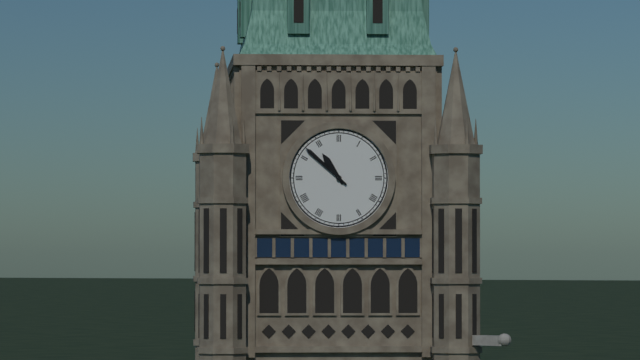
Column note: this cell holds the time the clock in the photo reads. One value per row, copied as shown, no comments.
10:52
